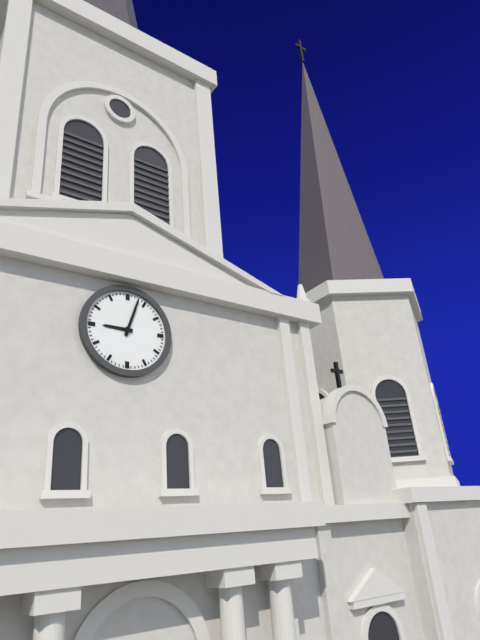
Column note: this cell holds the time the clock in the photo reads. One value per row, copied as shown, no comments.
9:03
